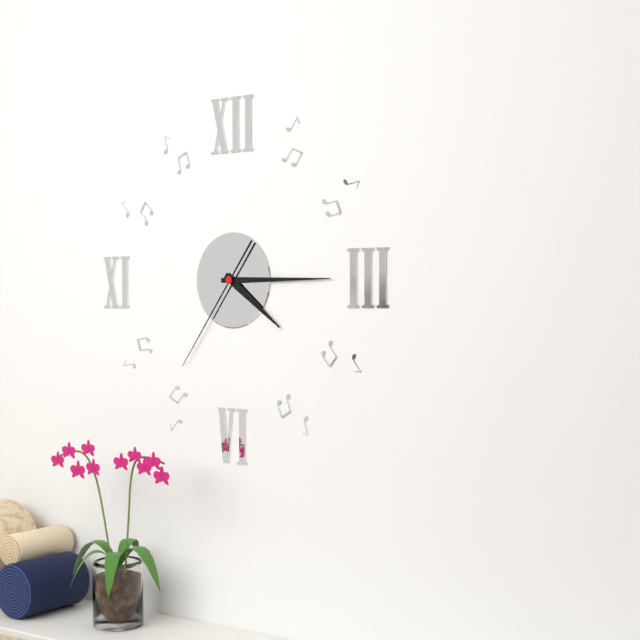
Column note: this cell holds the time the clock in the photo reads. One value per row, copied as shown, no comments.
4:15:36
